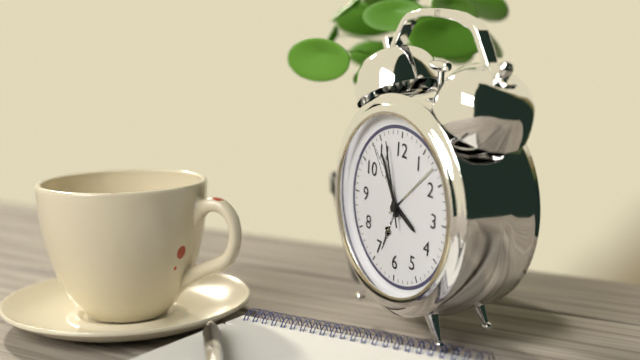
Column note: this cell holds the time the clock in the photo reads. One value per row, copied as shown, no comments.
3:55:57
